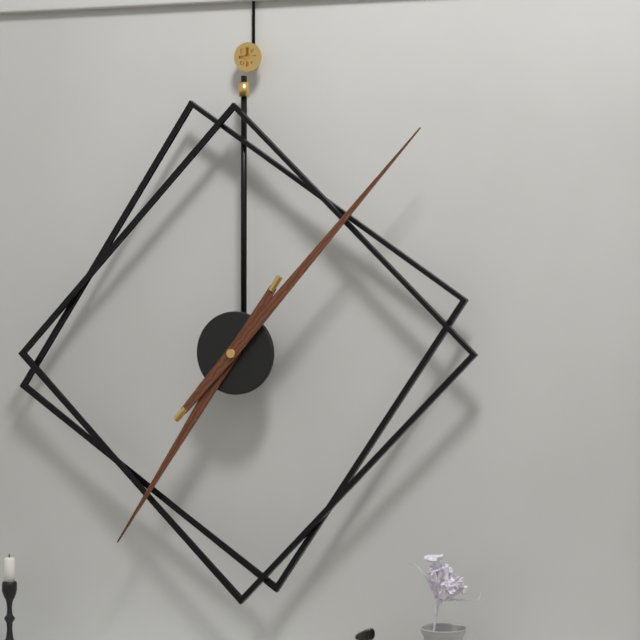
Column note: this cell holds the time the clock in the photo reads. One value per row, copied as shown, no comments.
7:07
